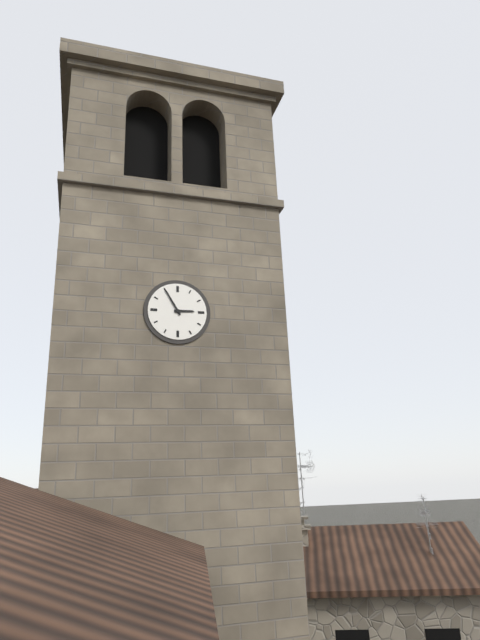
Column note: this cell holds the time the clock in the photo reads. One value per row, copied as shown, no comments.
2:55
